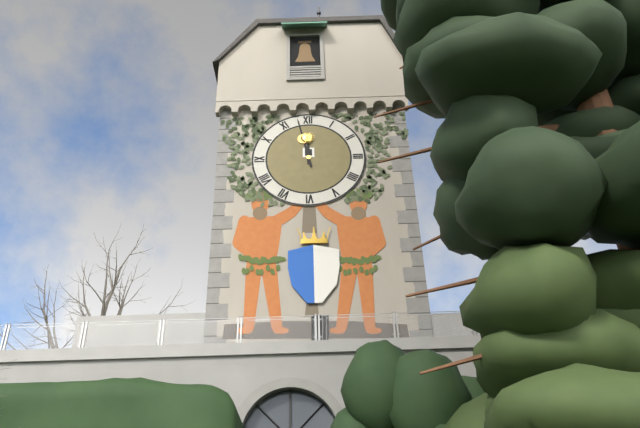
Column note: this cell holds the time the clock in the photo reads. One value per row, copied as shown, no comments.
11:58
